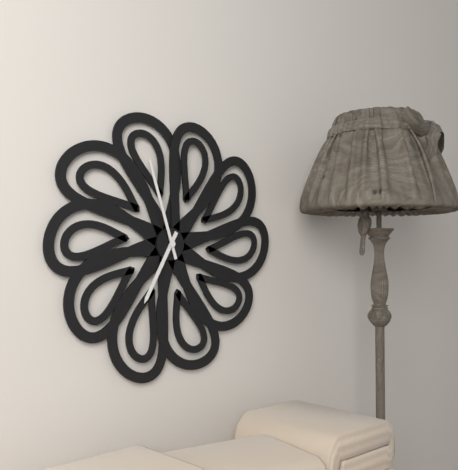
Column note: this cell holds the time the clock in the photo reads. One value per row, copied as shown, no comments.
6:57
